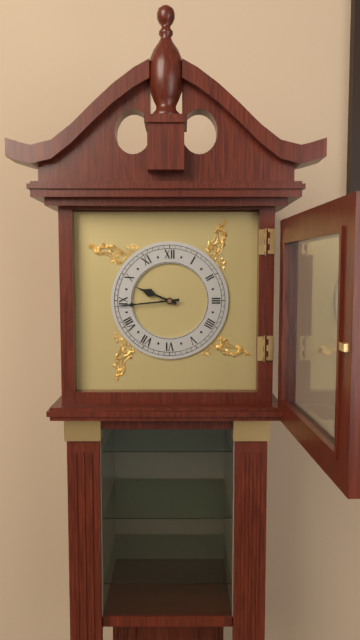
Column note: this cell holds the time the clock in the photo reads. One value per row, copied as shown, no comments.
9:44
